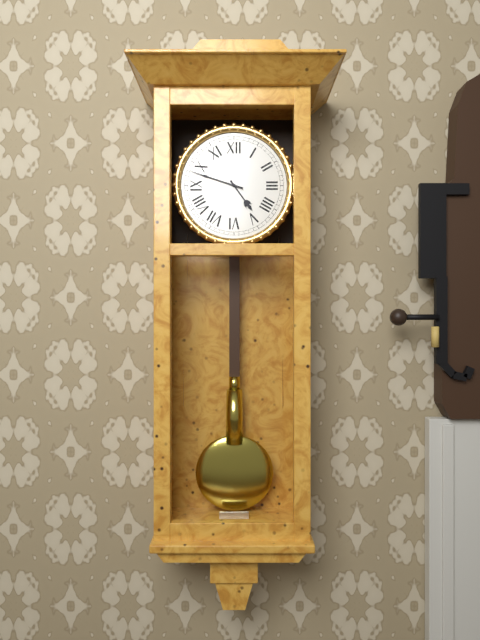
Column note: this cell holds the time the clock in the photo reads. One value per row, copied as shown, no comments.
4:48
